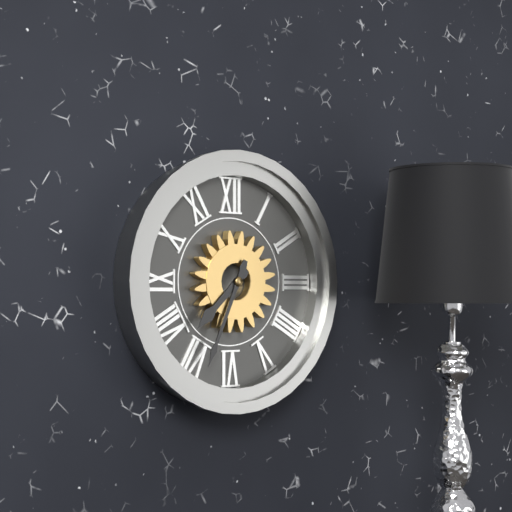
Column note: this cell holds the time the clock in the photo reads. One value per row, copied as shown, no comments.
7:34
